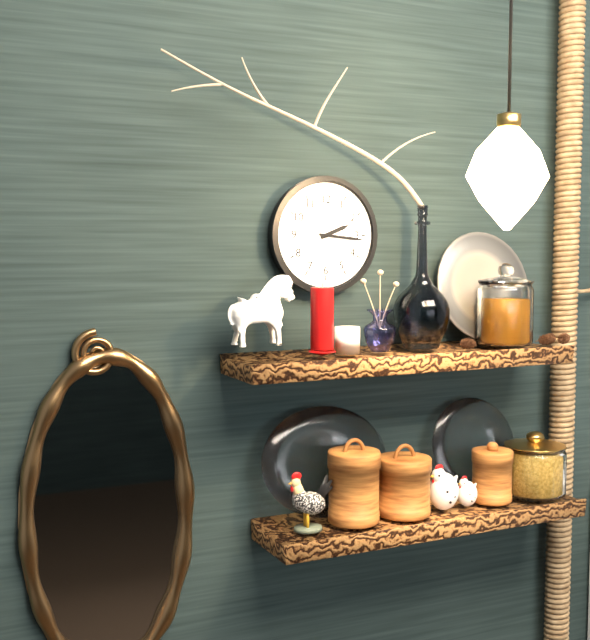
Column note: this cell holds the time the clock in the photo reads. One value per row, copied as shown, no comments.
2:16
